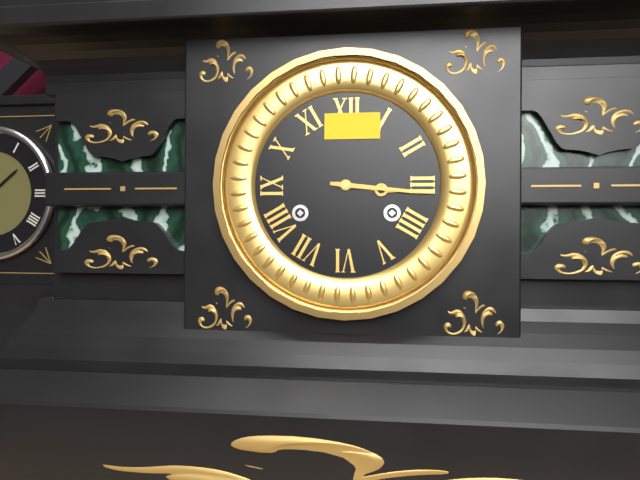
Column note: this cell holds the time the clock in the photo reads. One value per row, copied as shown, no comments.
3:16
